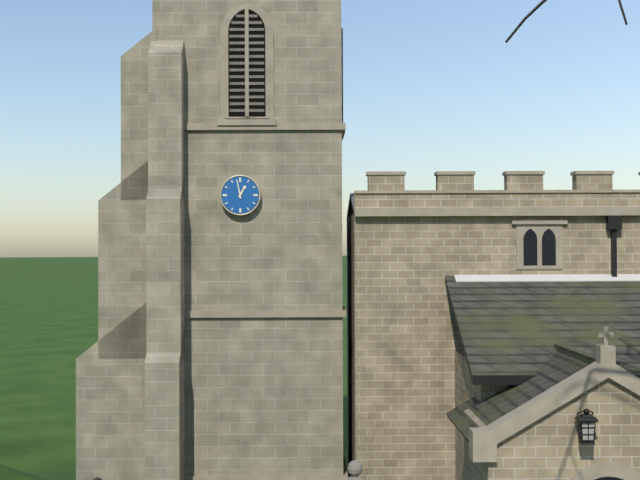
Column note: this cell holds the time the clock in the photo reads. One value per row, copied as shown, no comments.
12:58
